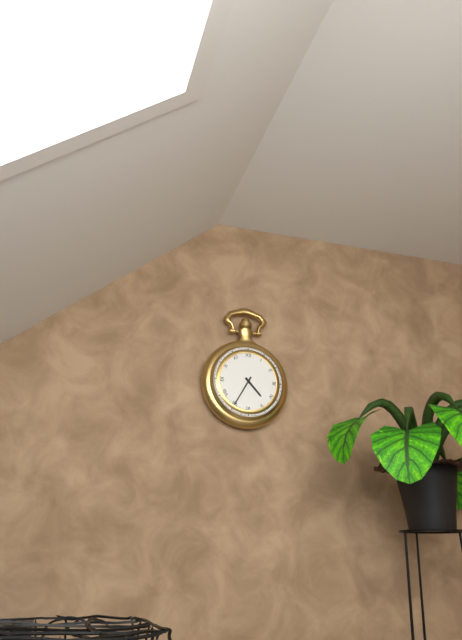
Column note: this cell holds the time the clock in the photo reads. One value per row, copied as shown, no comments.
4:35
